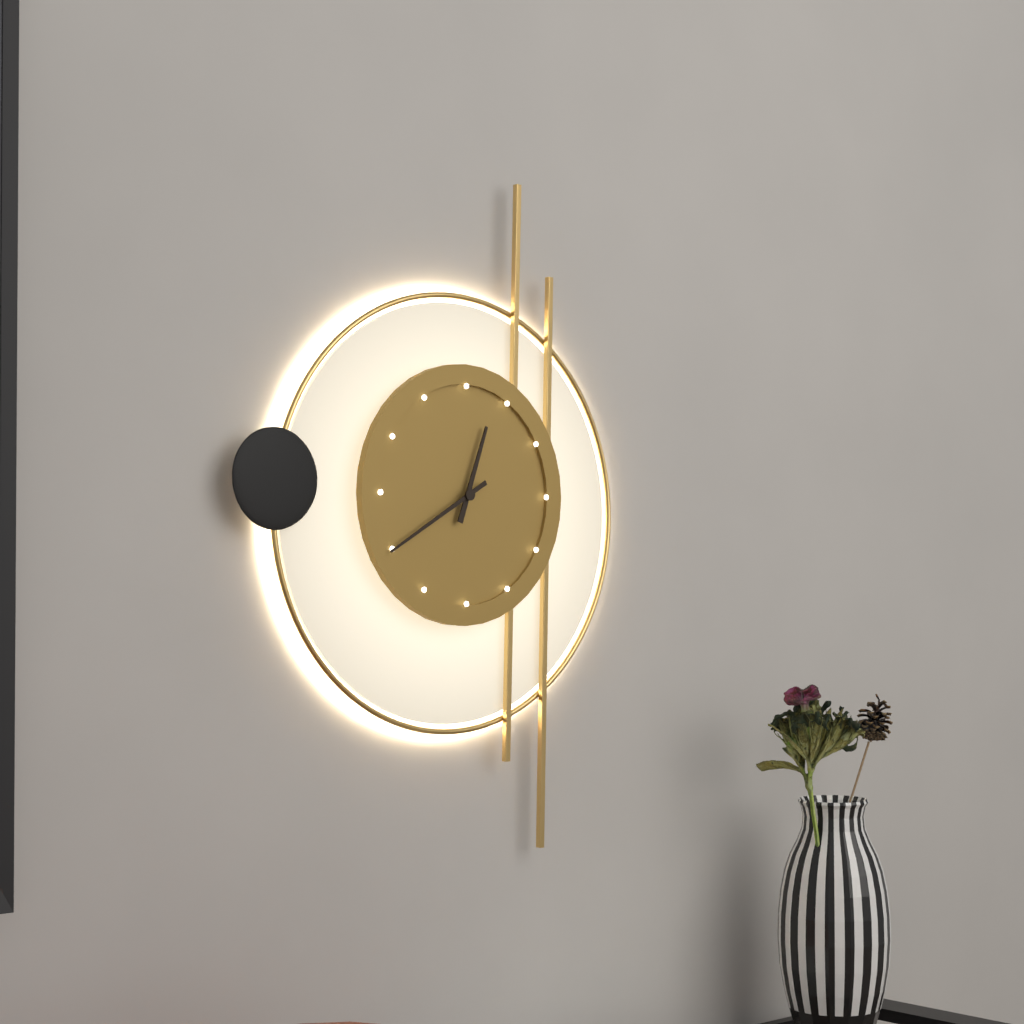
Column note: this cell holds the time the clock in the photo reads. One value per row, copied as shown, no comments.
12:40
